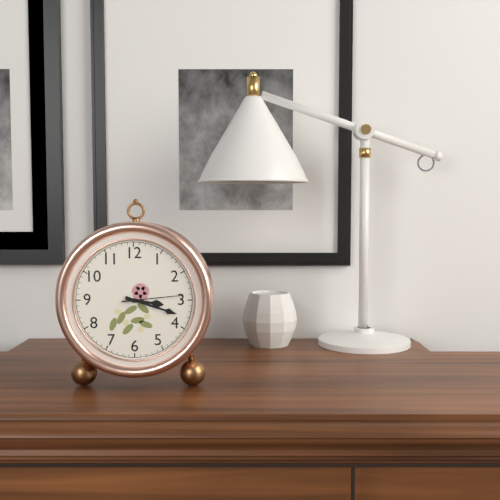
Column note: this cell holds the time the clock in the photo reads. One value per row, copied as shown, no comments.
3:18:14
